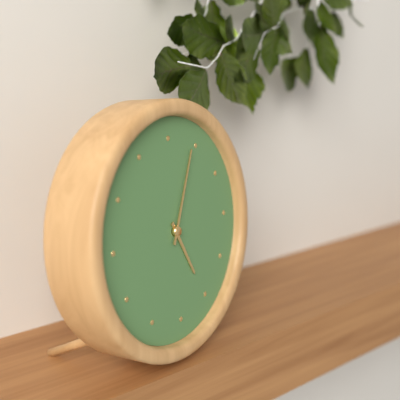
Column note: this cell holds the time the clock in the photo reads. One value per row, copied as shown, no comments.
5:04
